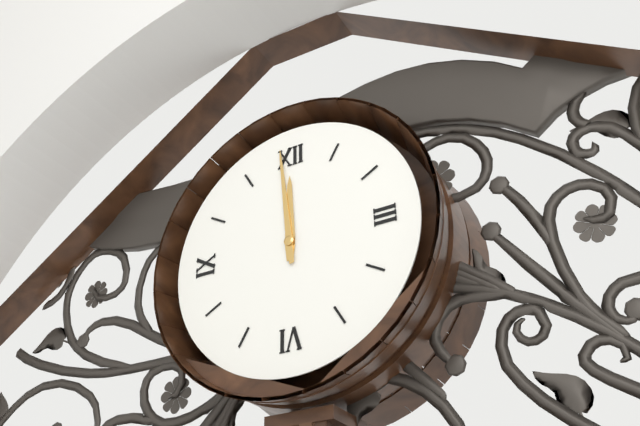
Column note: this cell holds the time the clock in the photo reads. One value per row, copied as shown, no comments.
11:59
